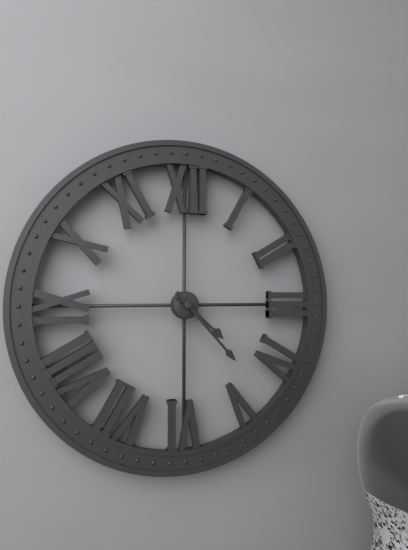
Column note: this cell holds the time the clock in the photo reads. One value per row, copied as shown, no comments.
4:23
